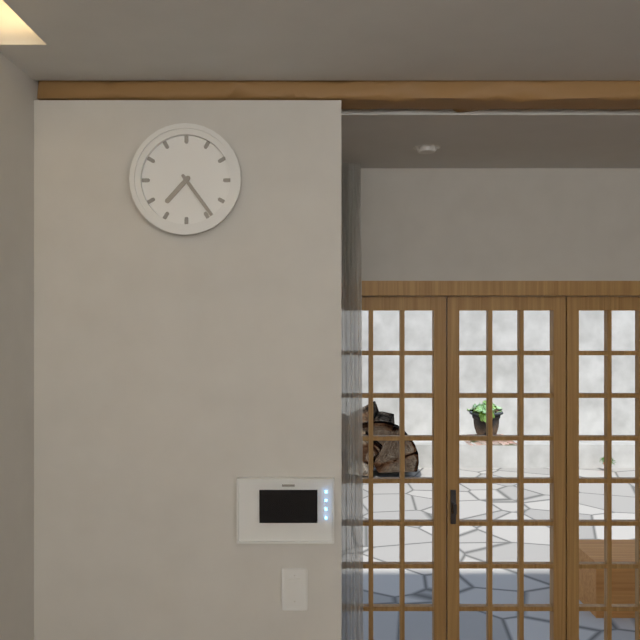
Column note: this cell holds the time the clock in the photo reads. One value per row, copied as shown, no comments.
7:24
